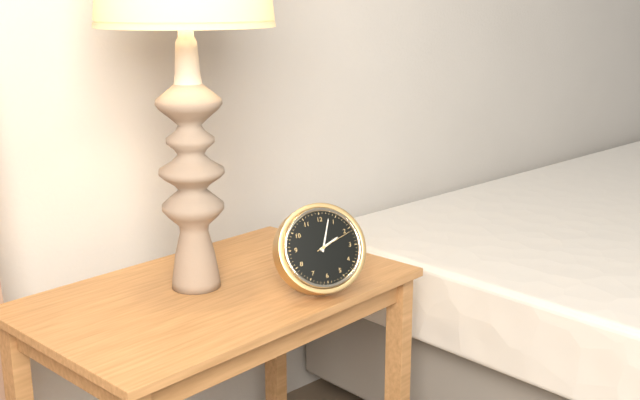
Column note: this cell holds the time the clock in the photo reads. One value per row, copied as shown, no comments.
2:03
